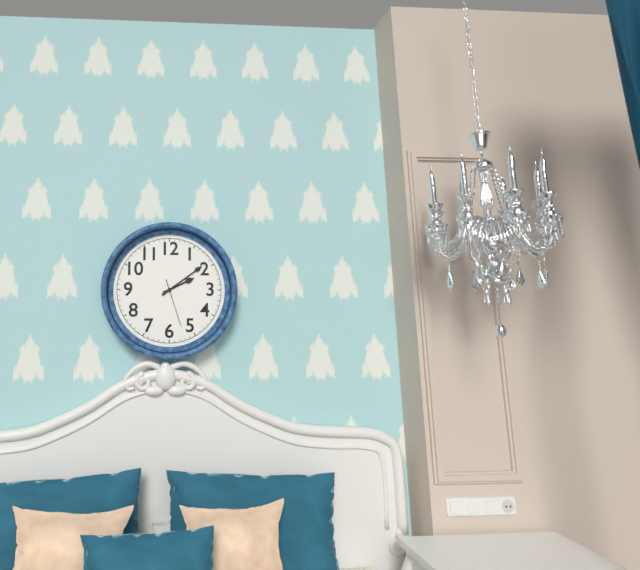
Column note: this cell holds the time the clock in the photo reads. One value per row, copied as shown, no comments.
2:09
